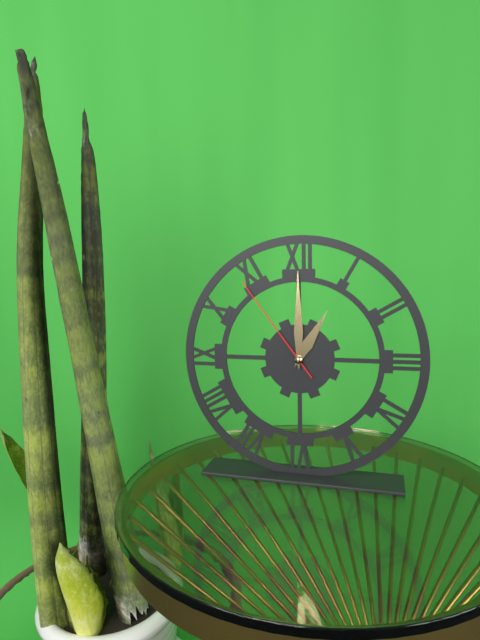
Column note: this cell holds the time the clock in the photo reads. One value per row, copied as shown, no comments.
1:00:54
